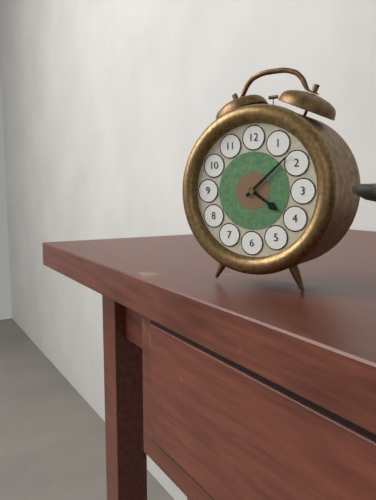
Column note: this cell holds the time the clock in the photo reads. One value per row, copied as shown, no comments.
4:08
